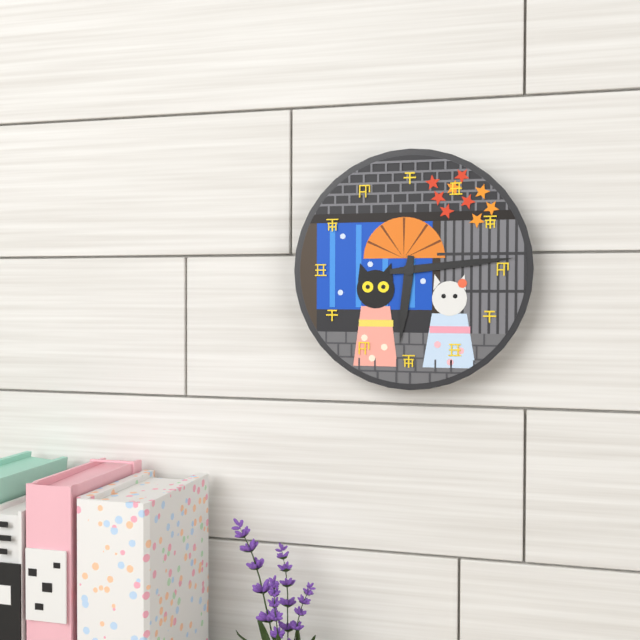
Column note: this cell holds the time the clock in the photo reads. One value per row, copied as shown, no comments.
6:14
